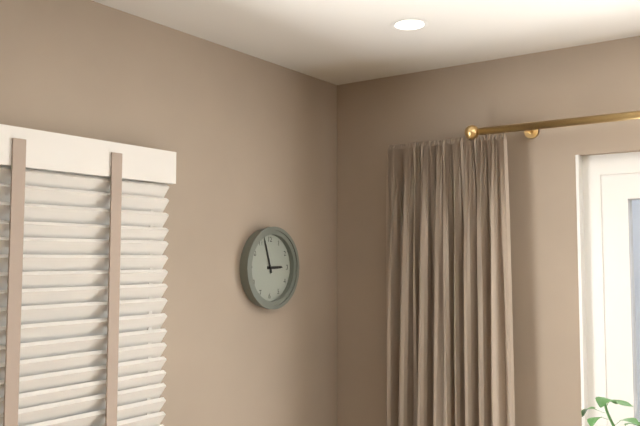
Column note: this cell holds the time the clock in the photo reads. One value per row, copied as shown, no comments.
2:57
